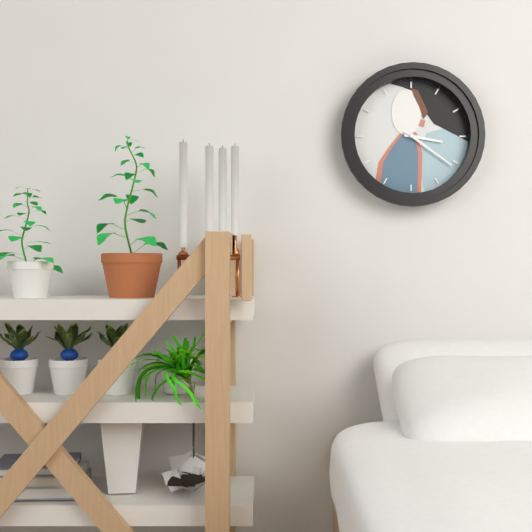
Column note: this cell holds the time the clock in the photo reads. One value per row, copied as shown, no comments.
3:21
